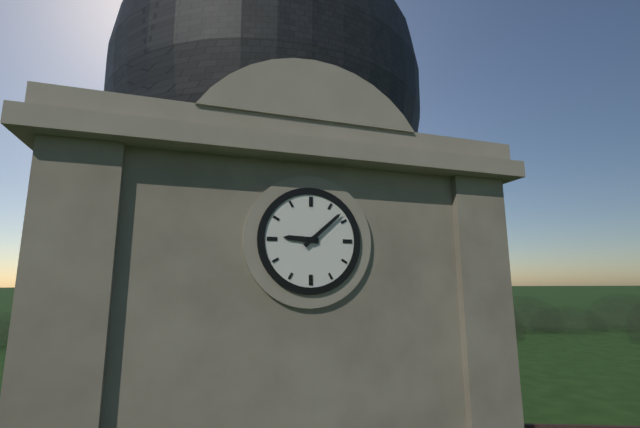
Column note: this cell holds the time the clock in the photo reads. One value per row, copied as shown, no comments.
9:08
